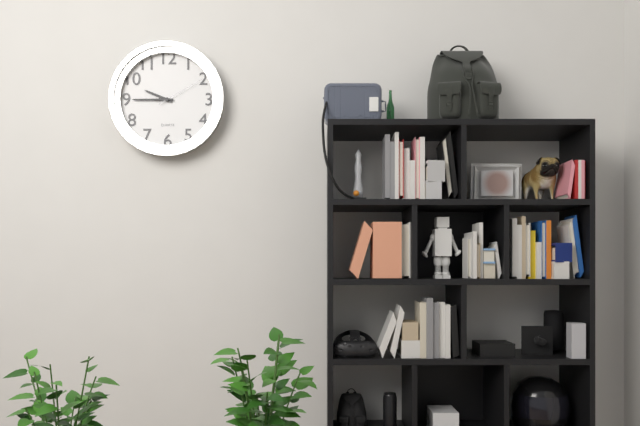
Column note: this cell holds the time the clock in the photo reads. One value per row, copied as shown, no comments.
9:45
